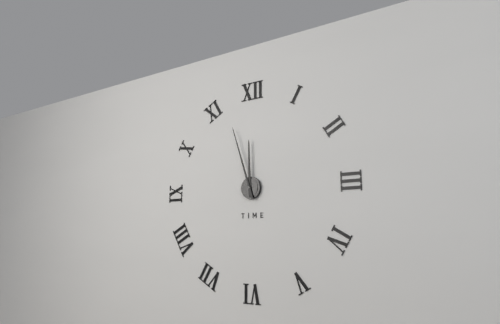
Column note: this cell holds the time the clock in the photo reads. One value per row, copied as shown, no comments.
11:57
